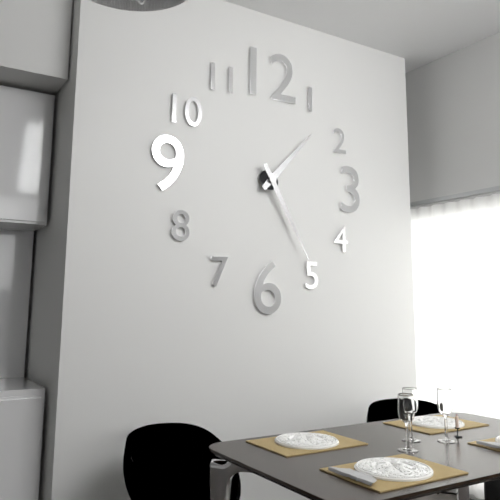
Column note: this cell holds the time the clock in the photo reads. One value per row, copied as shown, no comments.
1:25
